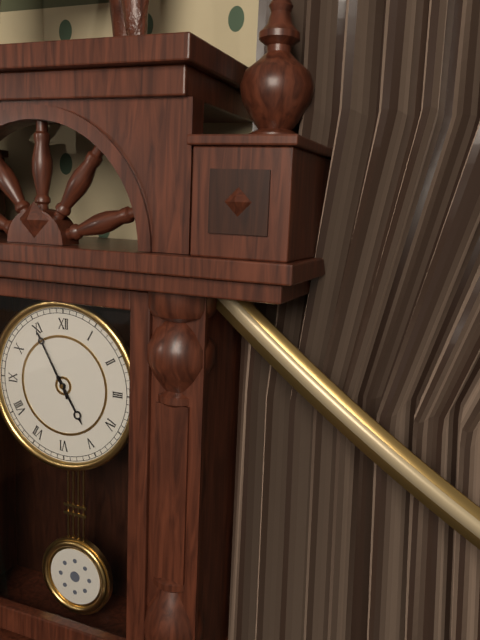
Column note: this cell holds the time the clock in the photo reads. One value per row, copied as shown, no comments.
4:55
